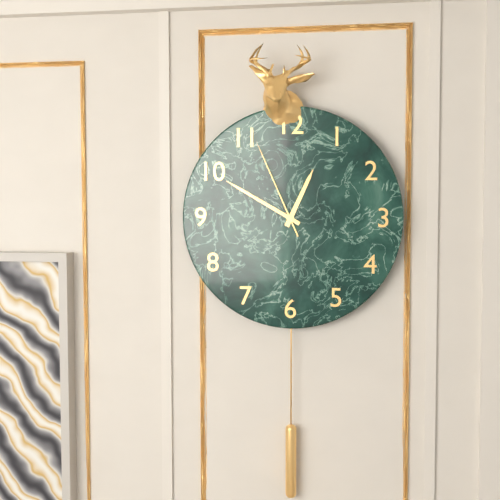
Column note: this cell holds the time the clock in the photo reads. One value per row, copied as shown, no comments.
12:50:56
